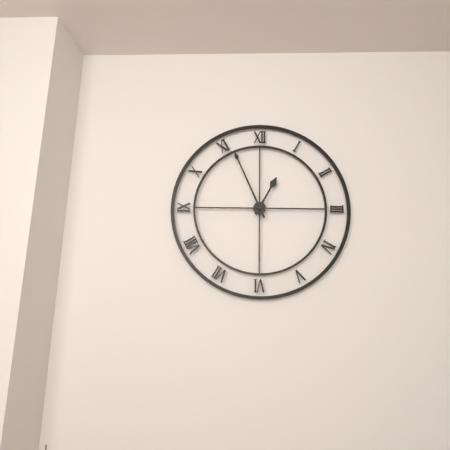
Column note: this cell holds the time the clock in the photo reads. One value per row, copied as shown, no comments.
12:56
